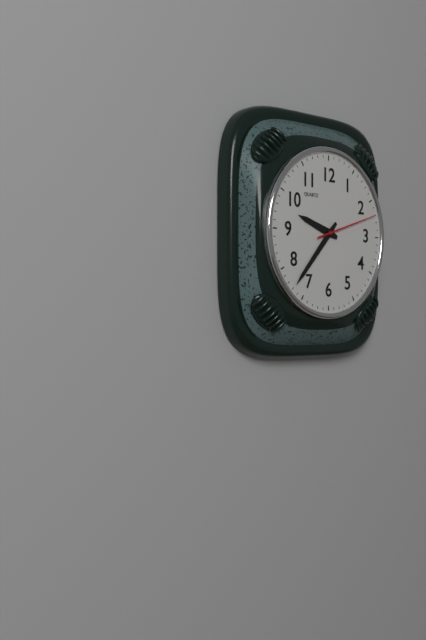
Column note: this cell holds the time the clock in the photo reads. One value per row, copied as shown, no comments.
9:37:12
